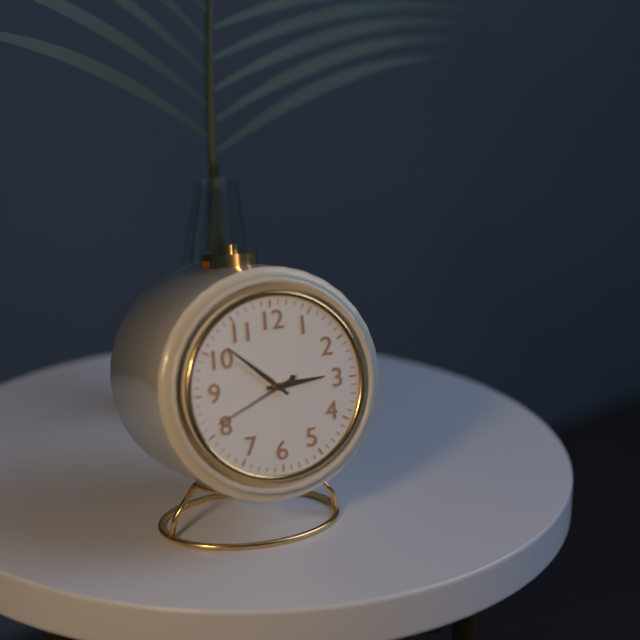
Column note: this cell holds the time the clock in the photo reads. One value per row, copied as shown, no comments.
2:52:41
